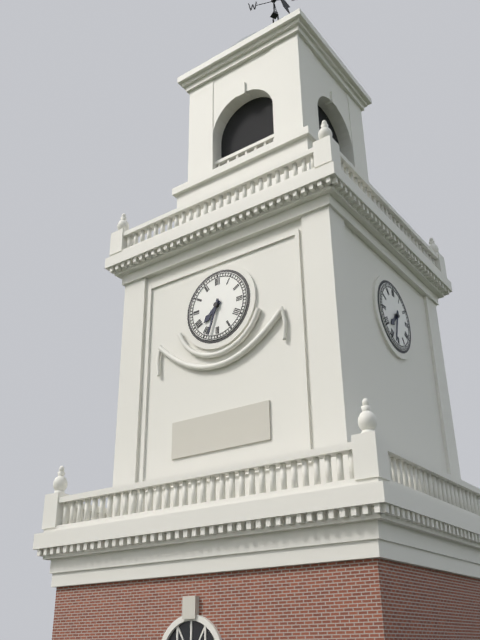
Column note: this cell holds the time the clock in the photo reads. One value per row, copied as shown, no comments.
7:33
